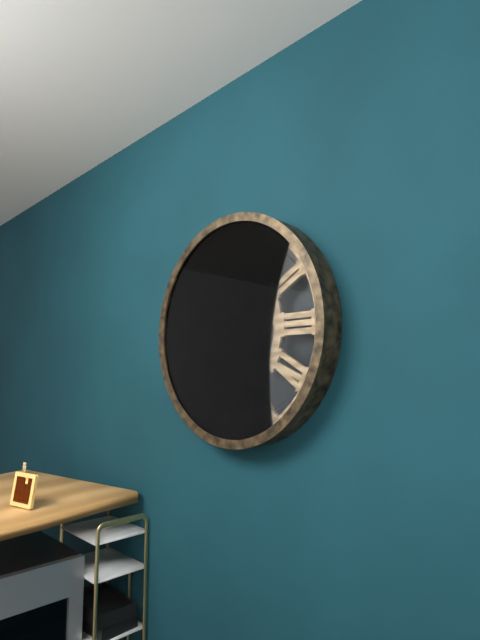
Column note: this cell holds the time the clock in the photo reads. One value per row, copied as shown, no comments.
9:00
